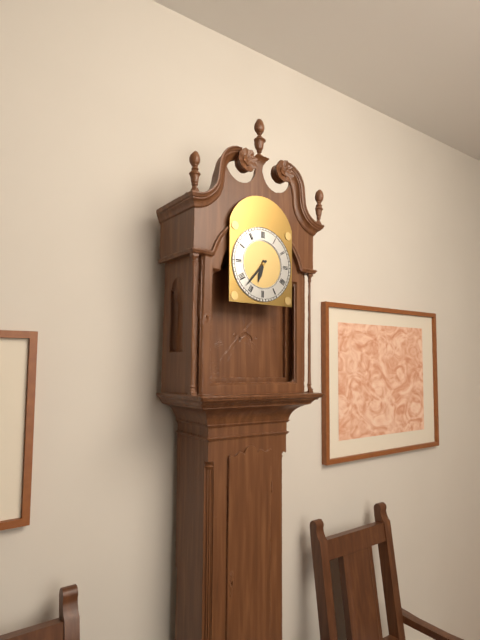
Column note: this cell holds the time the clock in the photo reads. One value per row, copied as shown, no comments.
6:37
